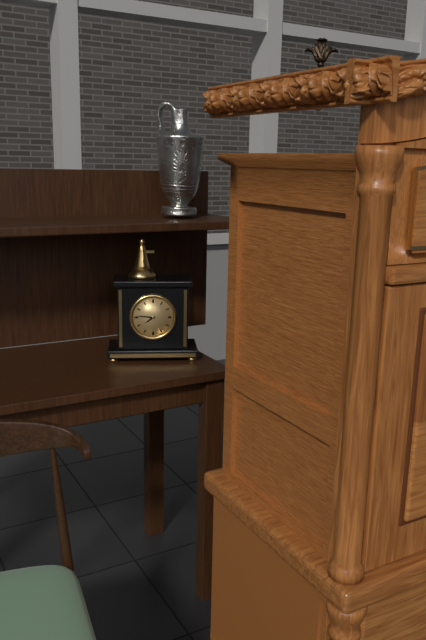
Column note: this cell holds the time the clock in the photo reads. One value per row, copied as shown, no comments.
7:46
